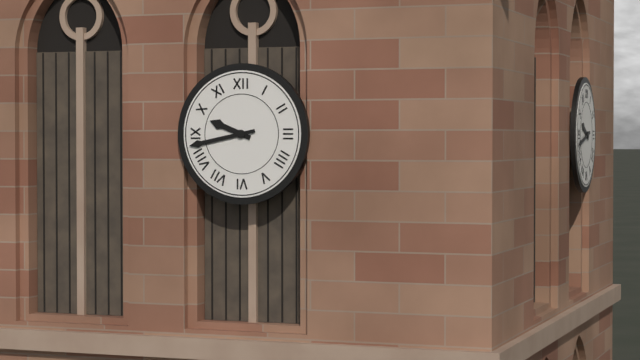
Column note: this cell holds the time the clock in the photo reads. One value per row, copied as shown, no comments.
9:43
